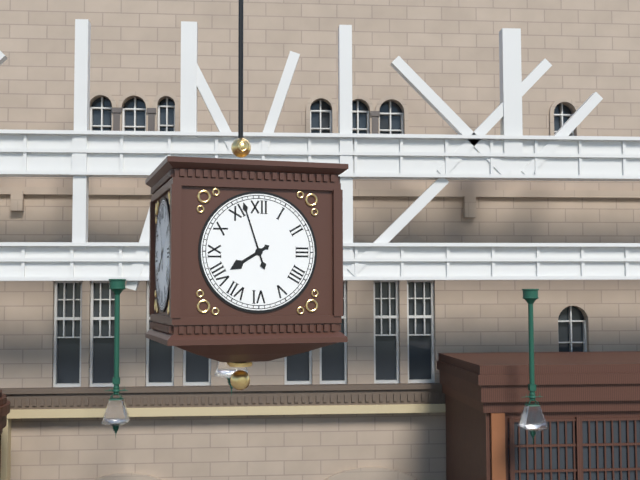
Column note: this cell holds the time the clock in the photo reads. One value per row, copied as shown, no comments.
7:57
